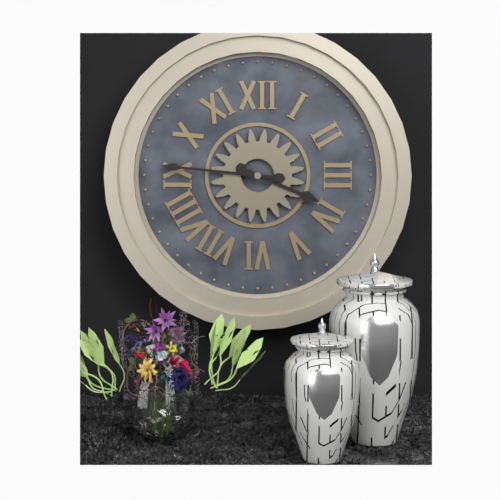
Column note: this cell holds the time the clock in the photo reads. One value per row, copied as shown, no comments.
3:46
